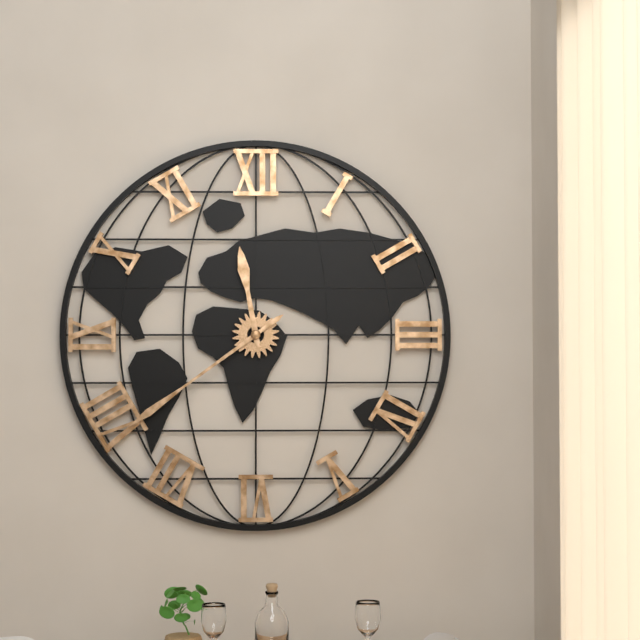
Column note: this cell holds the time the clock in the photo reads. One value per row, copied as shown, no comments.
11:39
